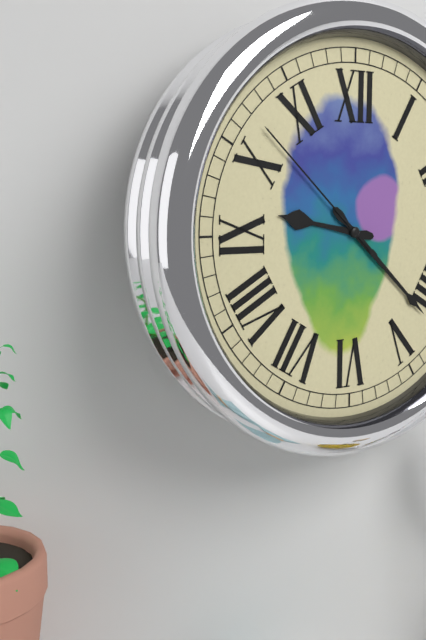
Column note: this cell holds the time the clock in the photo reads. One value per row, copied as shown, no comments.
9:22:52
